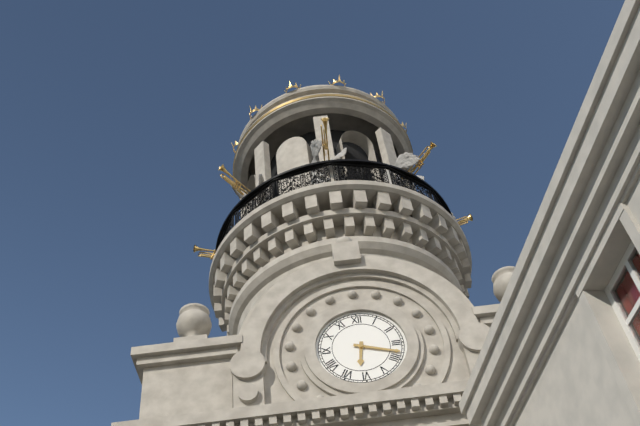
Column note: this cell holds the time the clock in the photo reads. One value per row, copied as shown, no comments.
6:18
